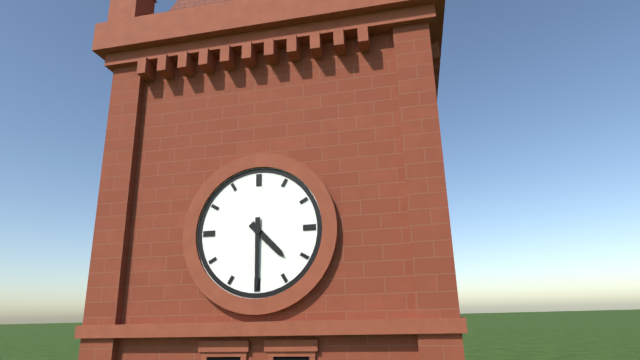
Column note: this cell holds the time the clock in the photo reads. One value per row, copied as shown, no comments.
4:30
